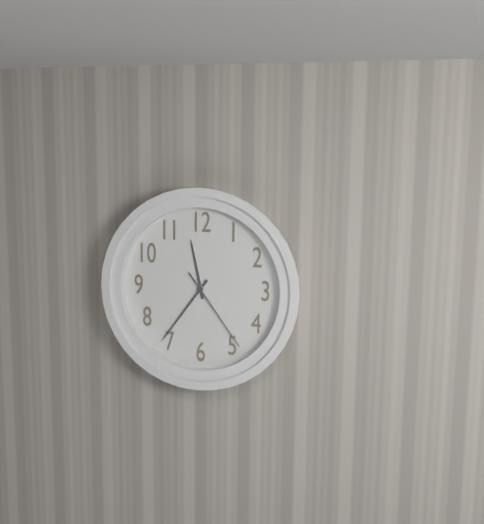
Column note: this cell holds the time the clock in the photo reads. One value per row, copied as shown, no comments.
11:36:24
